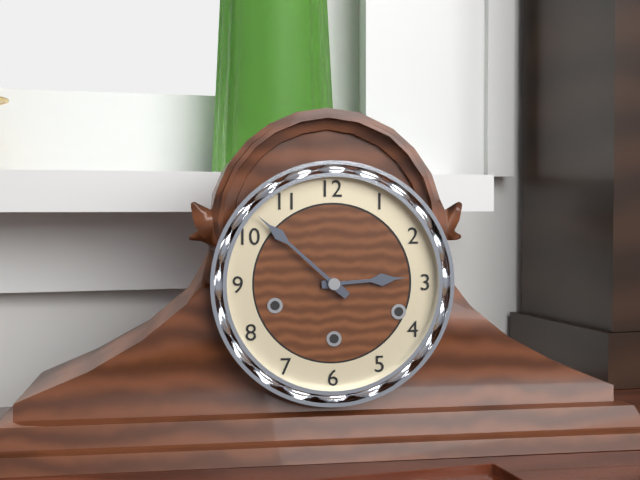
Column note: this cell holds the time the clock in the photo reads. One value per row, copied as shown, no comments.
2:52
